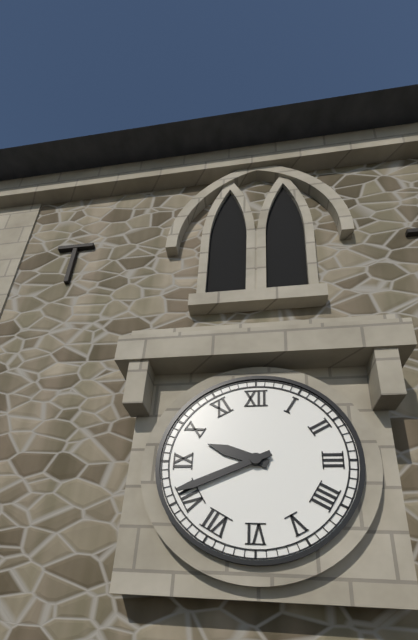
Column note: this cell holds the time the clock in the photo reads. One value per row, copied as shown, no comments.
9:41
